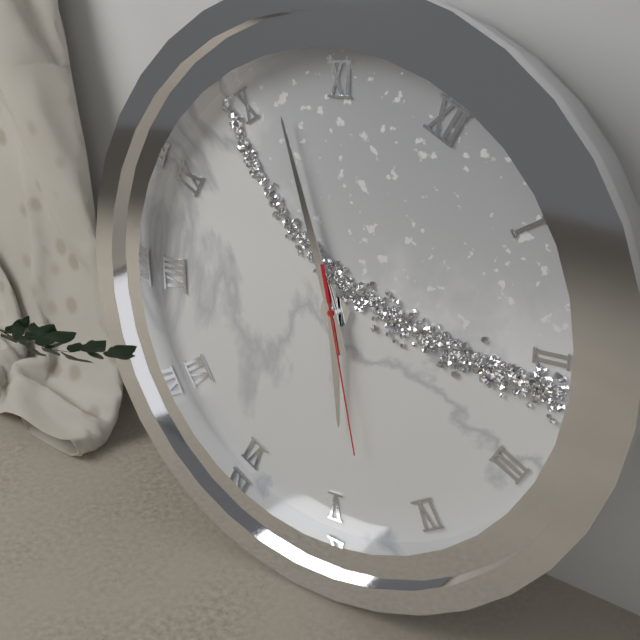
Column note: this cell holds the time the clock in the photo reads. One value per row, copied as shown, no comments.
4:52:23
